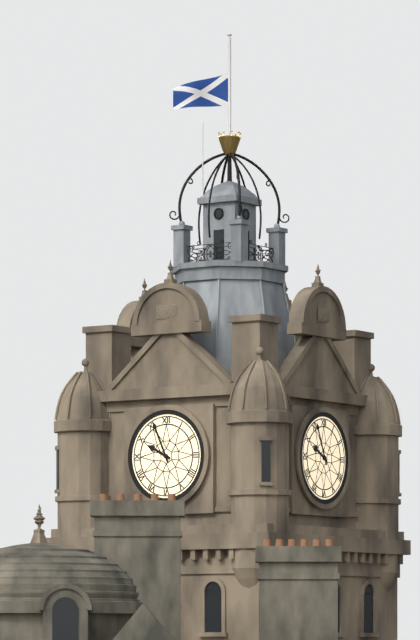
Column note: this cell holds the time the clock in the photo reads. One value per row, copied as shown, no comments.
9:56
